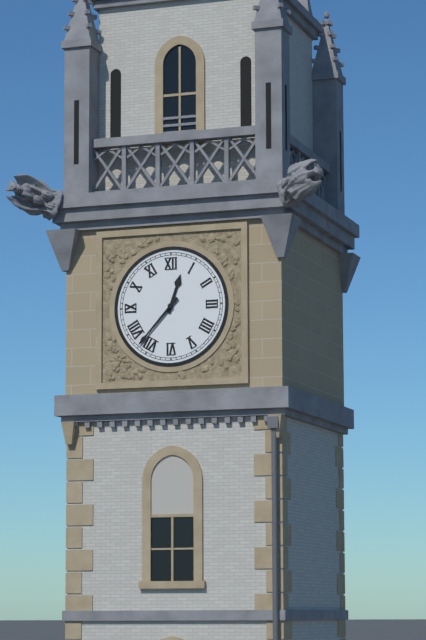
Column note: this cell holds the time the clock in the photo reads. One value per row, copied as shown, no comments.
12:37
